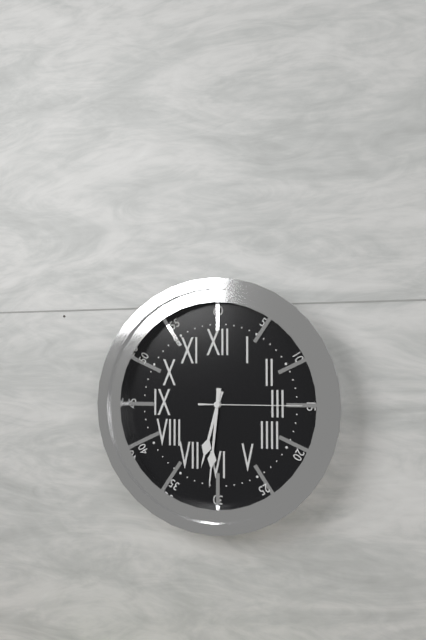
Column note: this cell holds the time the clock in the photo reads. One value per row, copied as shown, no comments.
6:31:15
